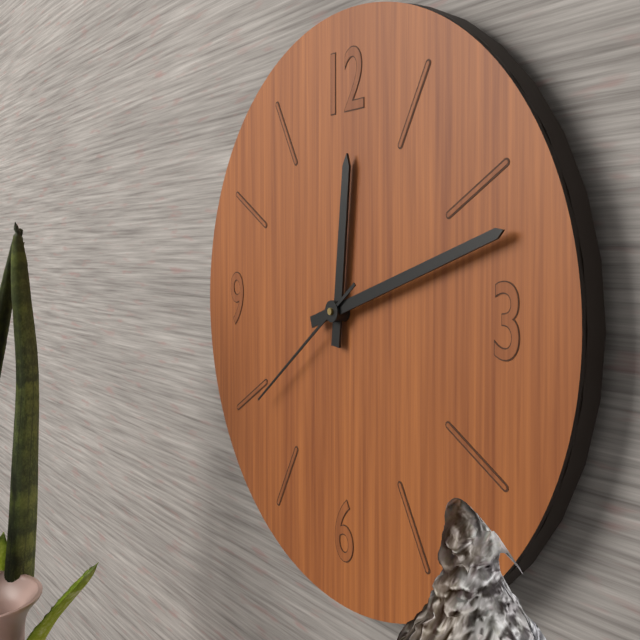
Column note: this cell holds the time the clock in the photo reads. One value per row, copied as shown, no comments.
12:12:39
